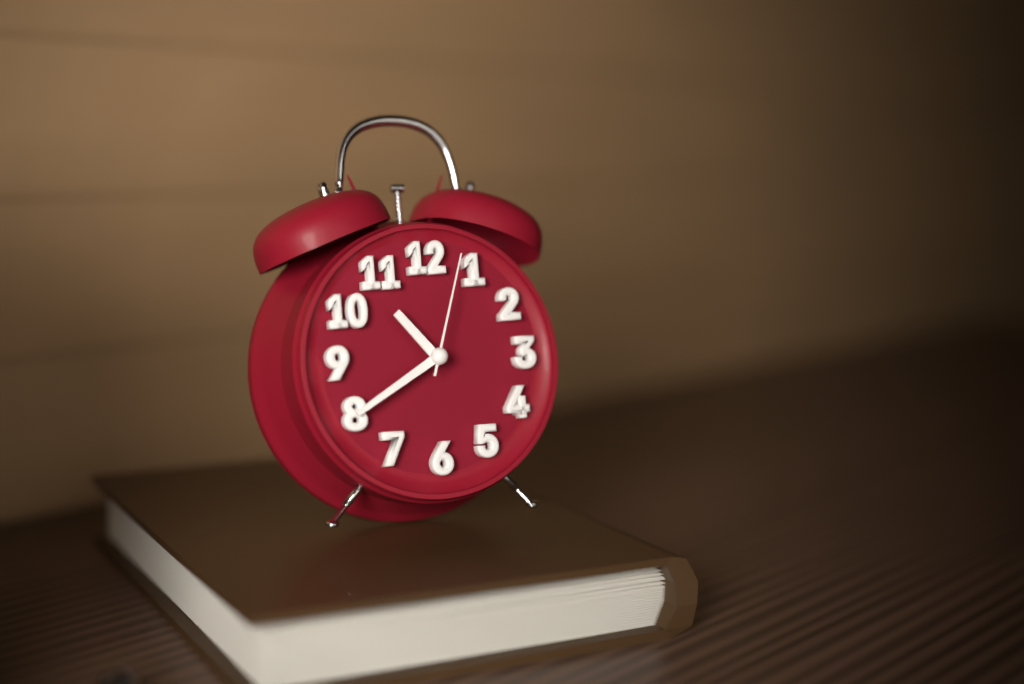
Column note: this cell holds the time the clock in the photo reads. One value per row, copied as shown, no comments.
10:40:03
